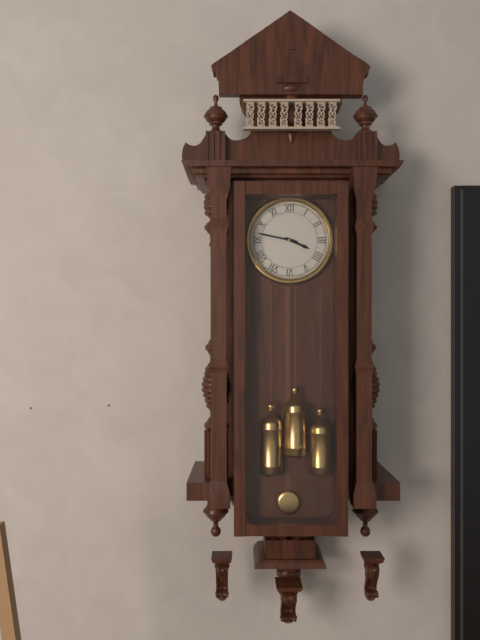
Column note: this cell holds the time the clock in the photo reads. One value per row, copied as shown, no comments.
3:47
